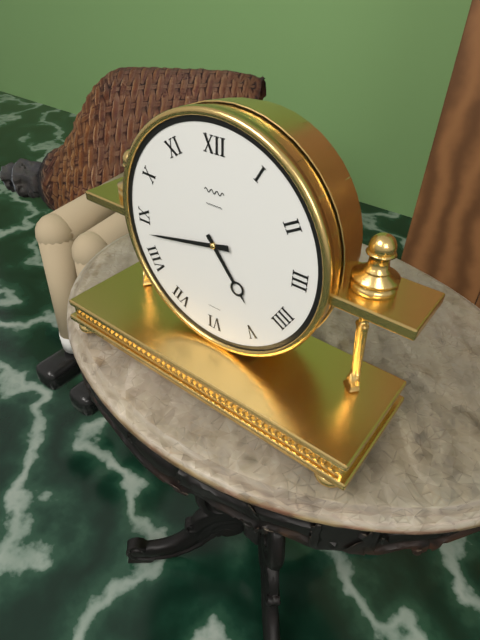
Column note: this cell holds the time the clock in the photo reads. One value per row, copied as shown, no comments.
4:43
